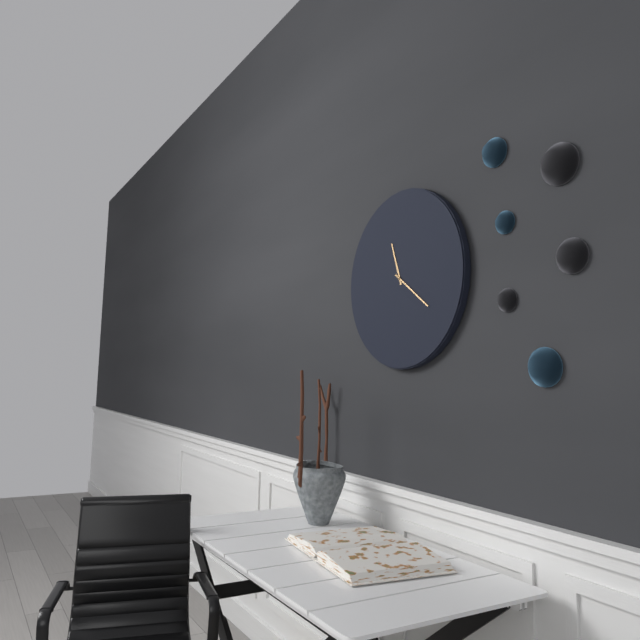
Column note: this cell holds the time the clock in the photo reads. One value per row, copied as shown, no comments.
11:21
